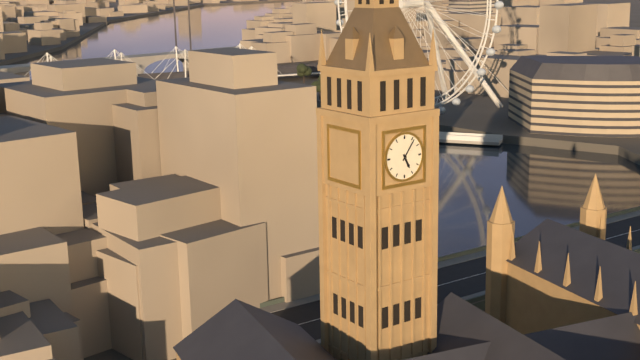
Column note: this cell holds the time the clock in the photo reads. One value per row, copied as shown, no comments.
5:06
